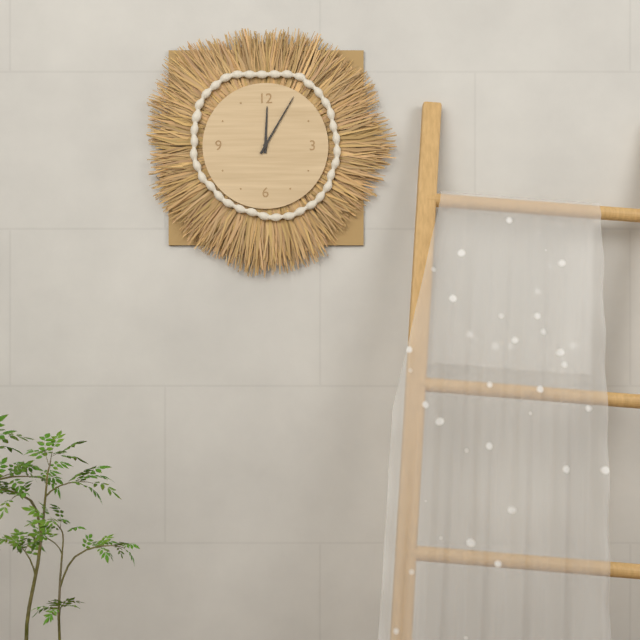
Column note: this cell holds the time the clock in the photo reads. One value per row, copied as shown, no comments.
12:05
